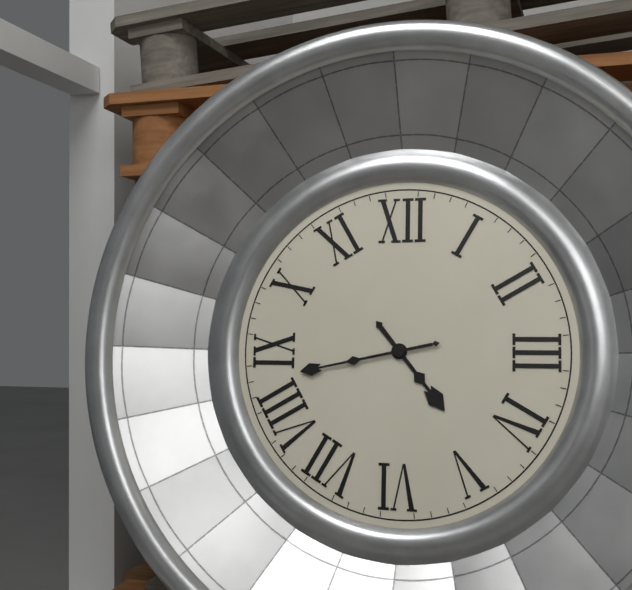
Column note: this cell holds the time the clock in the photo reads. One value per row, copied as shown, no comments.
4:43
